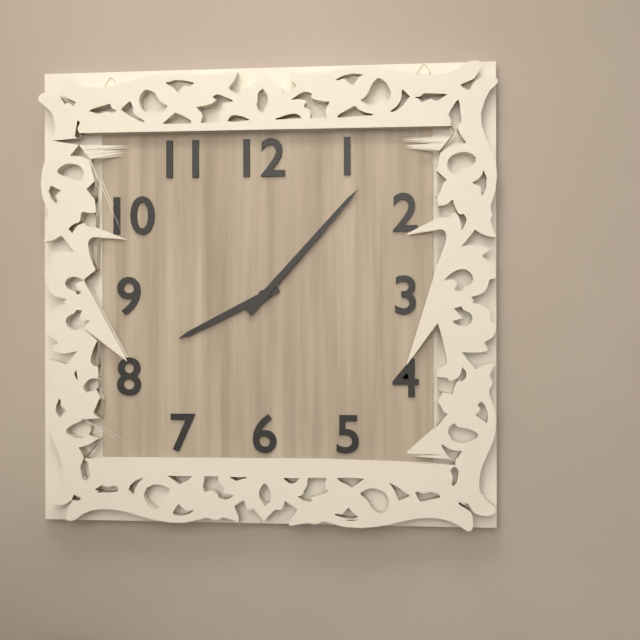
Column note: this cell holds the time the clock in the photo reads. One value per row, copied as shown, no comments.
8:07
